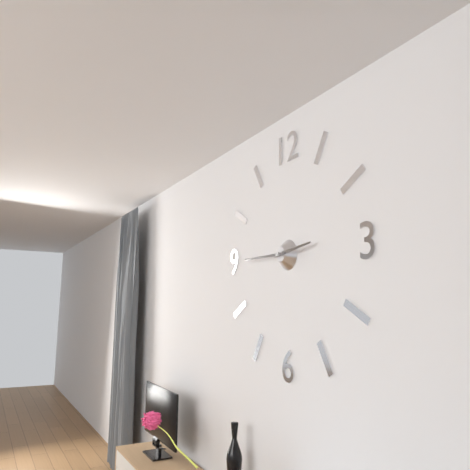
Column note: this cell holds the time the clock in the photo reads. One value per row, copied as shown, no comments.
2:45
